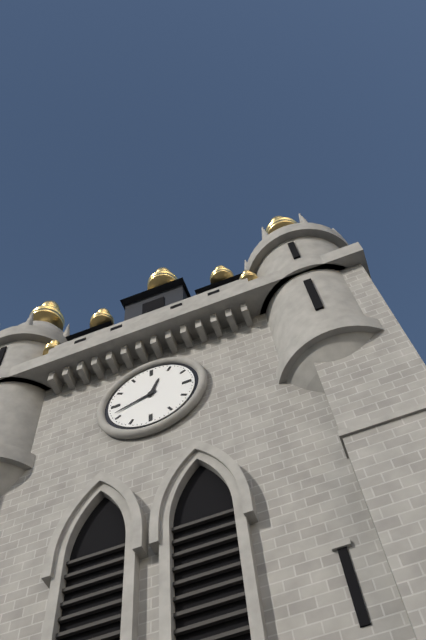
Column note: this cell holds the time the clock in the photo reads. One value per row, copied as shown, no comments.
12:42
